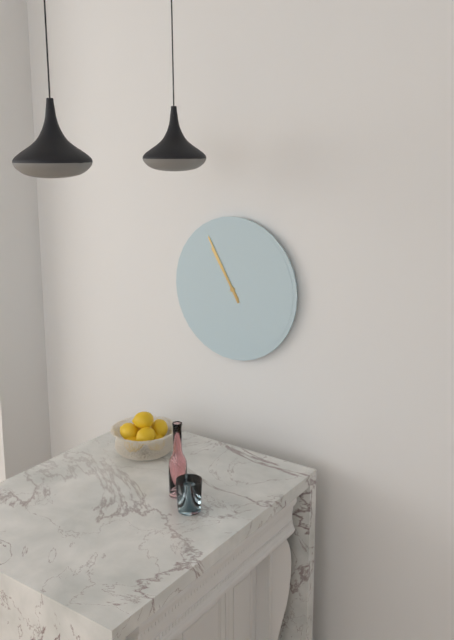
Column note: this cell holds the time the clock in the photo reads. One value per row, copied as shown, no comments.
10:55
